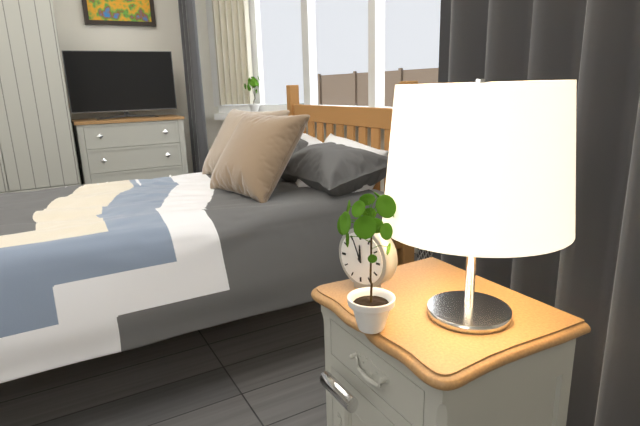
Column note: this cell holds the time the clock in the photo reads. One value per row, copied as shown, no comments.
11:56
